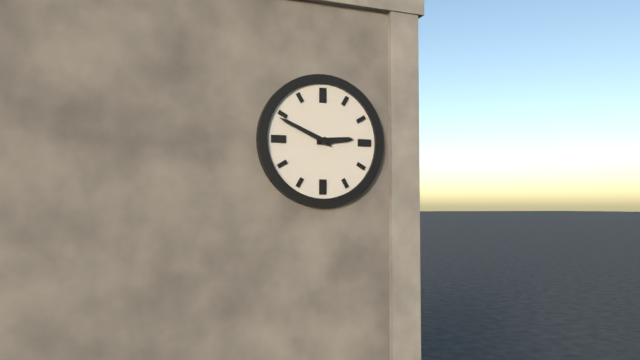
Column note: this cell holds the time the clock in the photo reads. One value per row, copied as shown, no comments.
2:49
